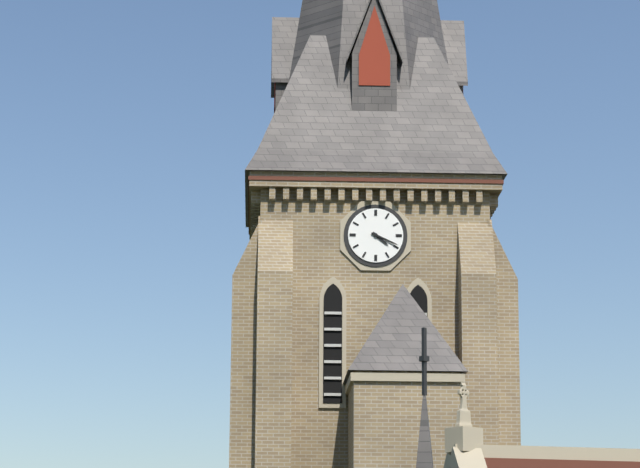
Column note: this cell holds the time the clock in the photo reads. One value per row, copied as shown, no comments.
4:19
